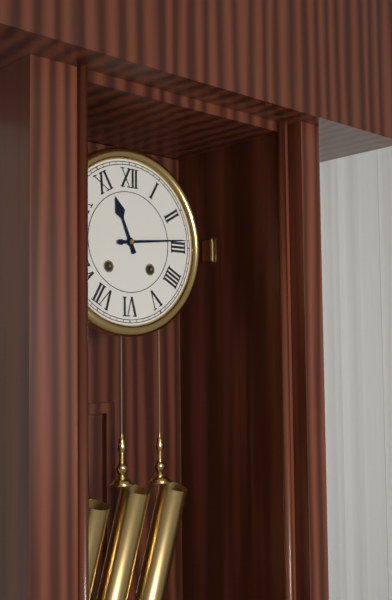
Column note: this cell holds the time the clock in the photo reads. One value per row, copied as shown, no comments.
11:14
